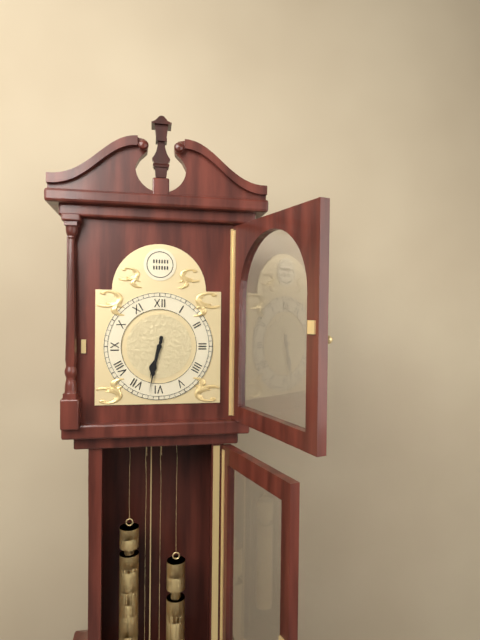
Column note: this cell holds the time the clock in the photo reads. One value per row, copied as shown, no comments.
6:32
